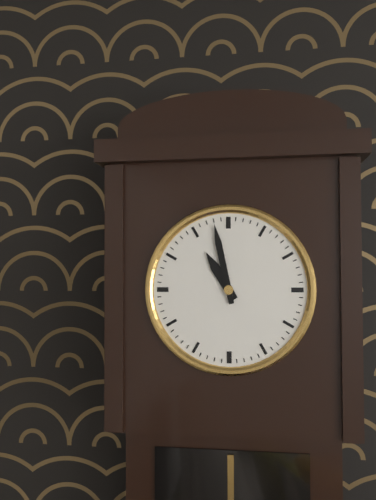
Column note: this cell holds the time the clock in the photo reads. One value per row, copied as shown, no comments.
10:58
